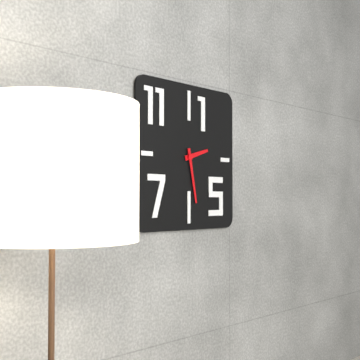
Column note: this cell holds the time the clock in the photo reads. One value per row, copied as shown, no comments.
2:28
